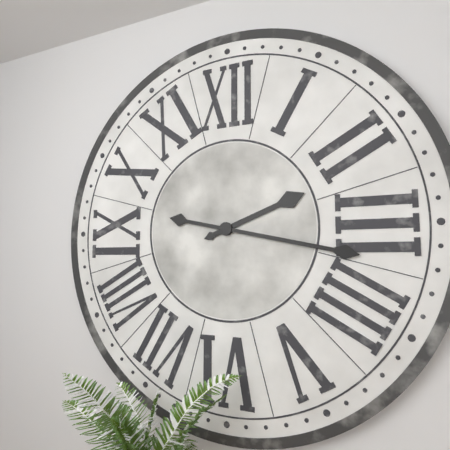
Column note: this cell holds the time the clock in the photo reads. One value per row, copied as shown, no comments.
2:17
